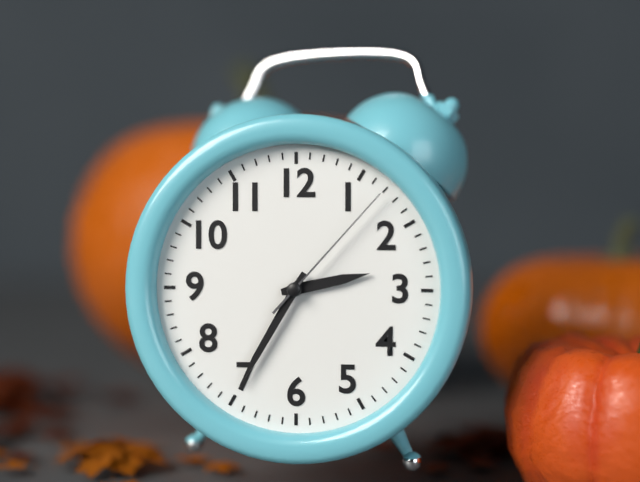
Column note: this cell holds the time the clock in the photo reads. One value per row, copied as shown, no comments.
2:35:07
